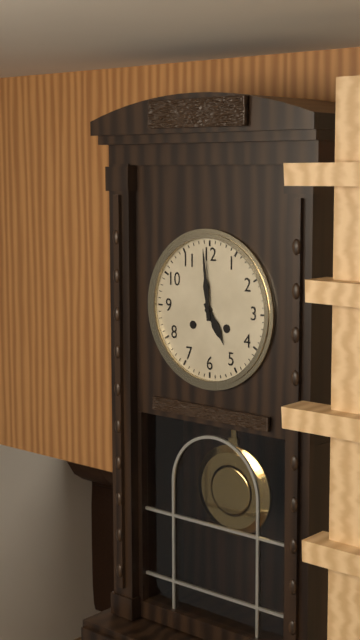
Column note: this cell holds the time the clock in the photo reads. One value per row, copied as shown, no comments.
4:59
